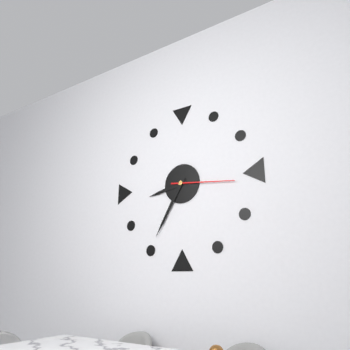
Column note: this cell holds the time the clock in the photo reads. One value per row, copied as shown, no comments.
8:35:16
